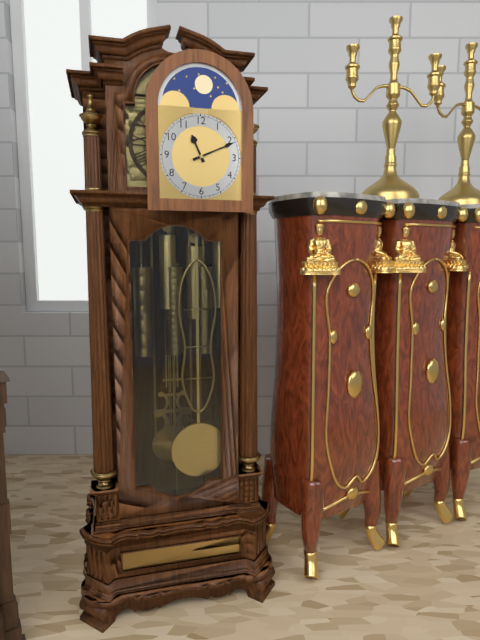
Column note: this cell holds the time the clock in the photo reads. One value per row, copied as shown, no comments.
11:11
